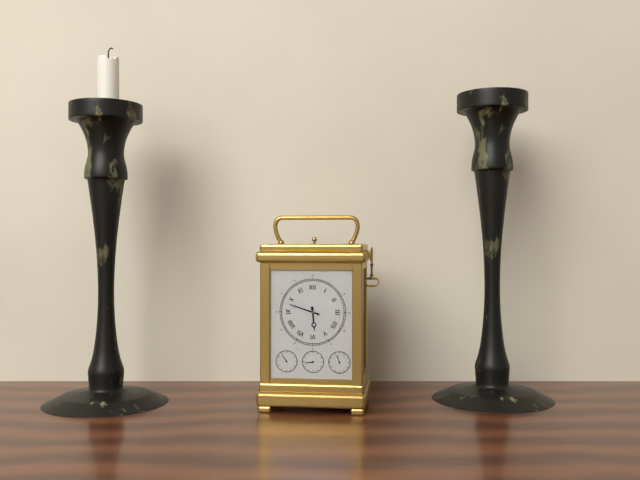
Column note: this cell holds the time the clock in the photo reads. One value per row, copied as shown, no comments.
5:48
